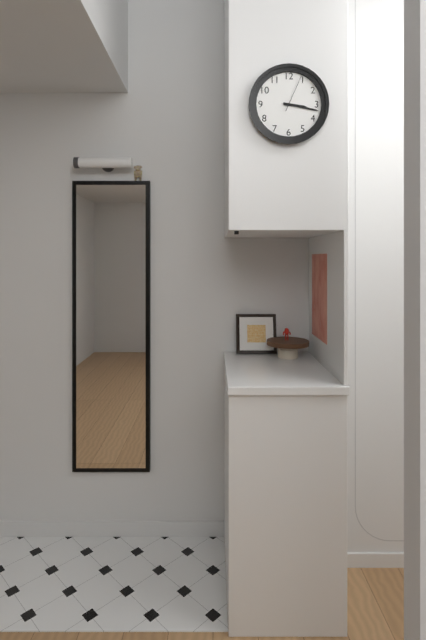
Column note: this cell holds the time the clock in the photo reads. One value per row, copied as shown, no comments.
3:17
